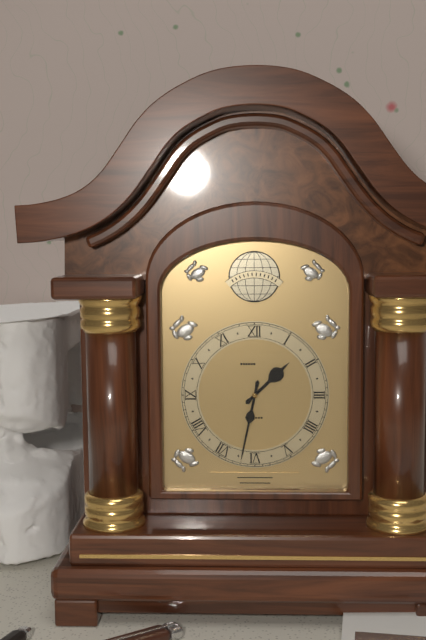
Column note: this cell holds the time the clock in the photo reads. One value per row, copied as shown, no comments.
1:32
